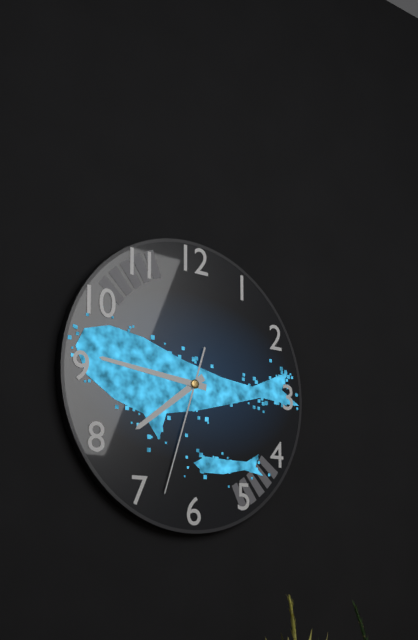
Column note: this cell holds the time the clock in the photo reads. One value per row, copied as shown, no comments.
7:46:33
